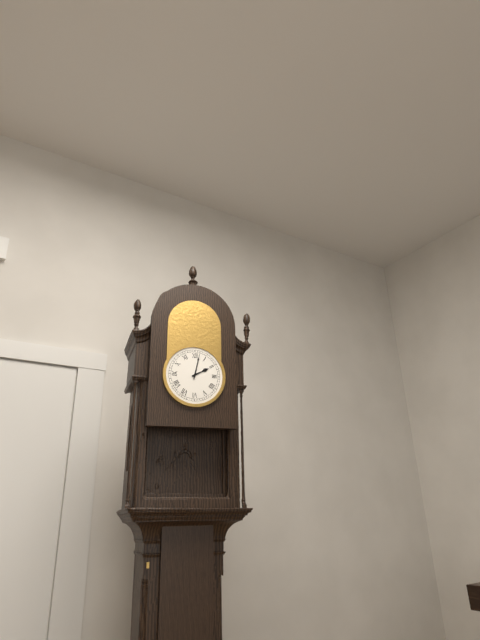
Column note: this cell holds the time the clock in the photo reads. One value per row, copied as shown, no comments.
2:02
